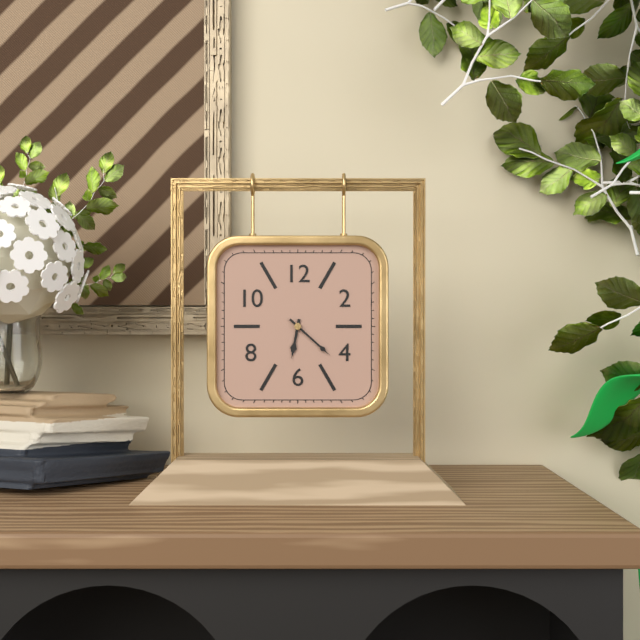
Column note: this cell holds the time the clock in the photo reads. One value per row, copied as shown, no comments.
6:22
